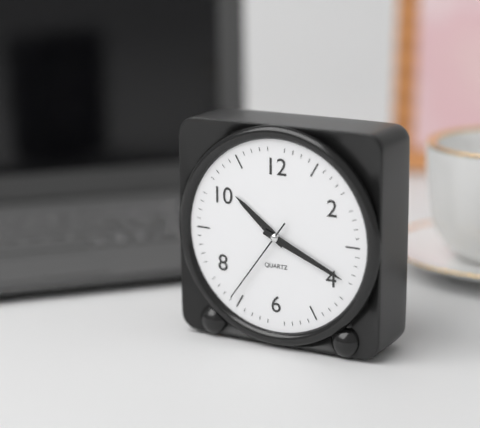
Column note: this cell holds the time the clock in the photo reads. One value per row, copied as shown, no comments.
10:19:36
